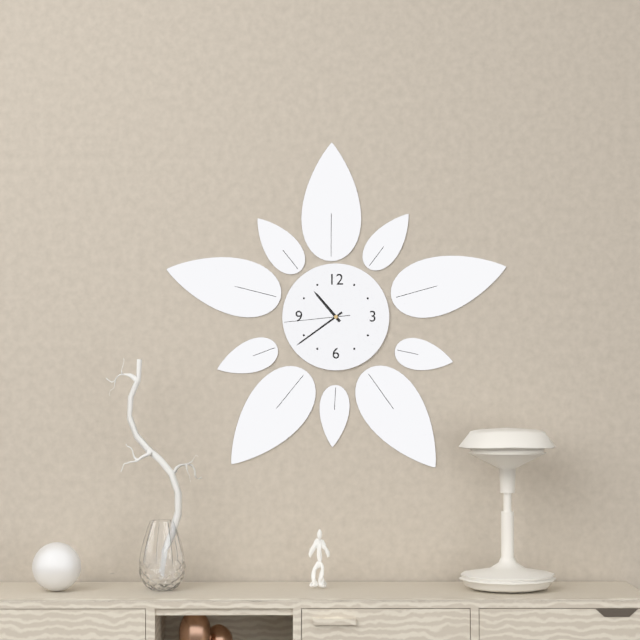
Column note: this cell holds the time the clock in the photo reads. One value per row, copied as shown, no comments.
10:39:44
